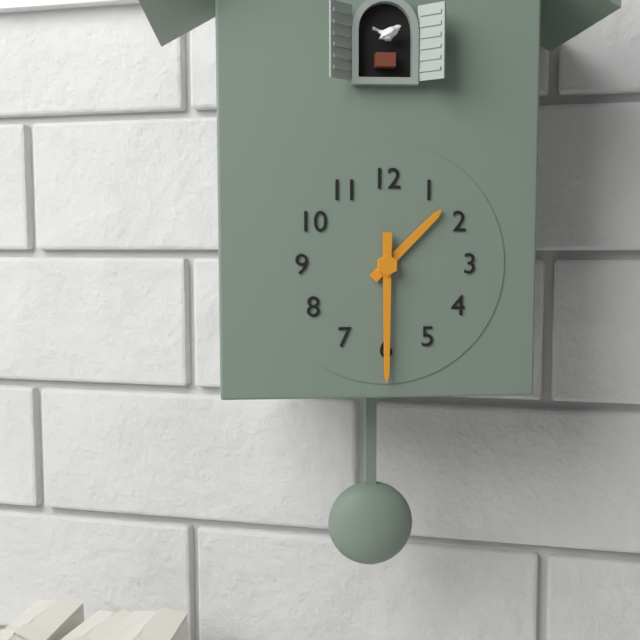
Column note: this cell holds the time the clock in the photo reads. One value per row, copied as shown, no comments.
1:30
